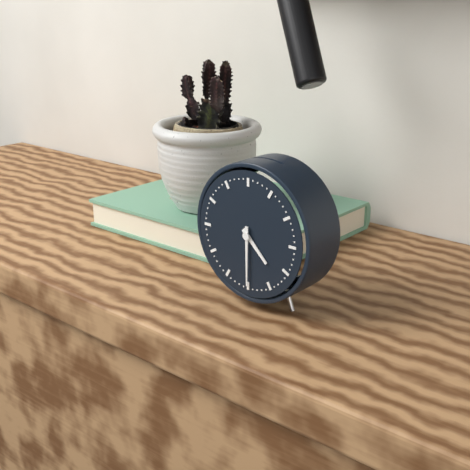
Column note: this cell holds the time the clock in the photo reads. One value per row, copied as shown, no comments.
4:30
